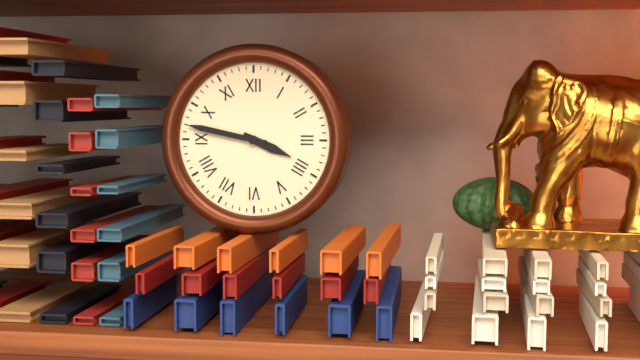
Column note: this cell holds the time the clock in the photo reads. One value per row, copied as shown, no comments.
3:47
